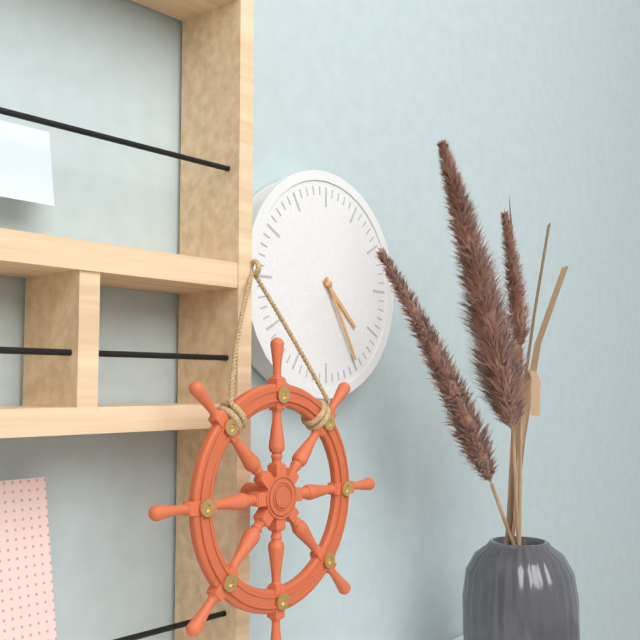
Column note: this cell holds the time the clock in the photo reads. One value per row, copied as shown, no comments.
4:25
